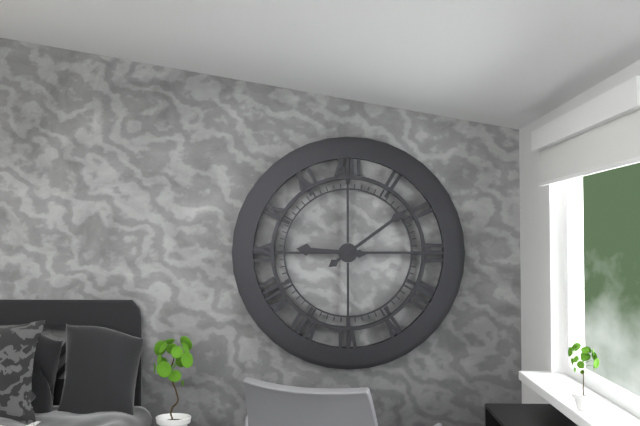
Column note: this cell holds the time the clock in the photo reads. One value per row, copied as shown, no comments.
9:09
